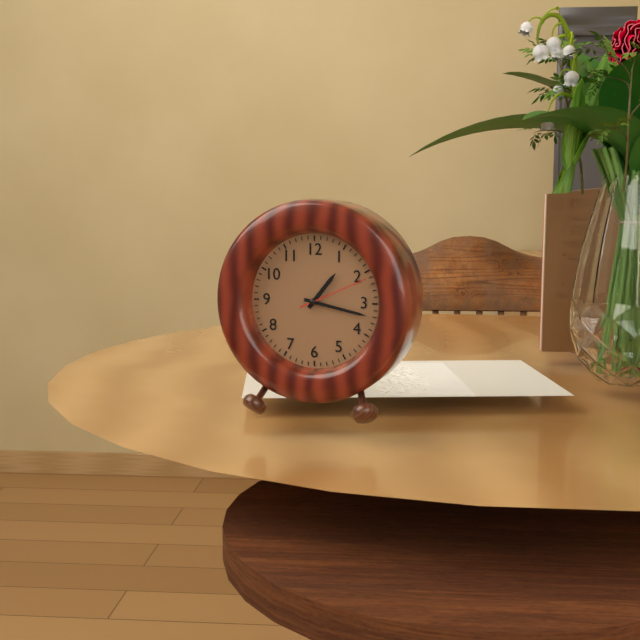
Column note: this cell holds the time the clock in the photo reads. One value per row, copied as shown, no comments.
1:17:11
